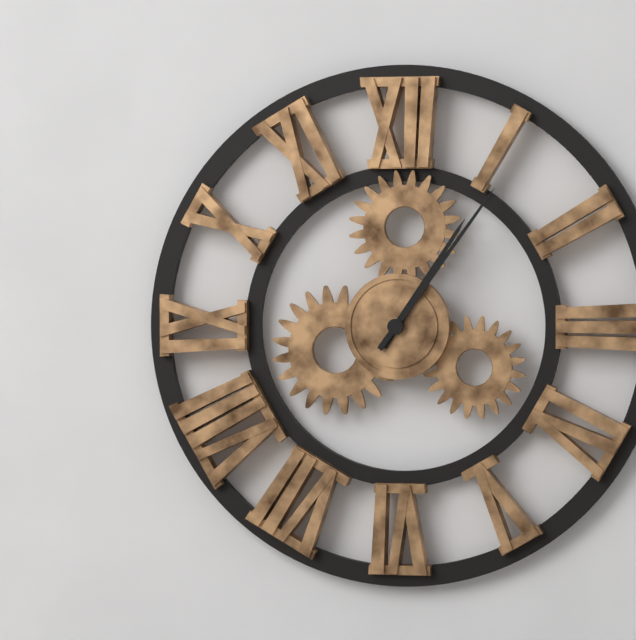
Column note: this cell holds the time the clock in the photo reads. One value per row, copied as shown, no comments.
1:06
